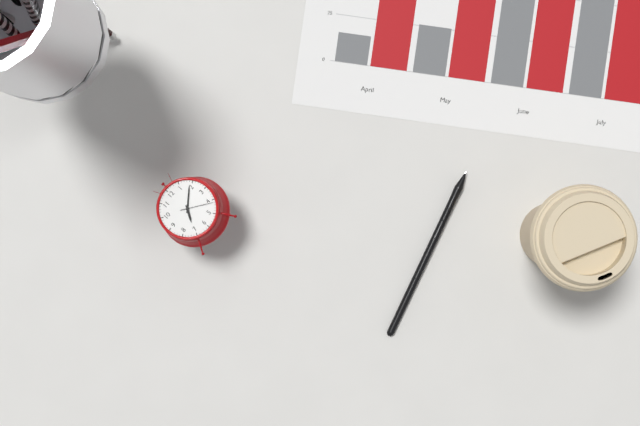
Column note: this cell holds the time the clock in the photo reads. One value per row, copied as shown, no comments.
7:09
